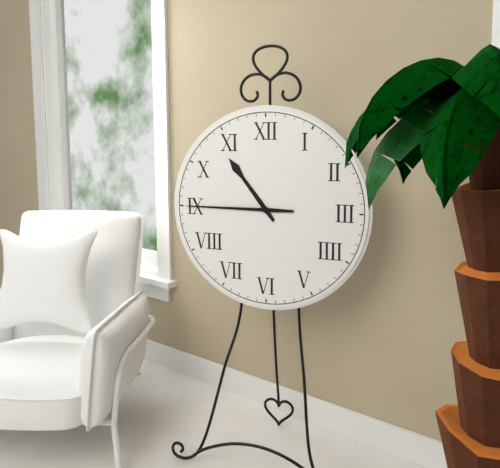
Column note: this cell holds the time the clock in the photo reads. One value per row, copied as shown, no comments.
10:45
